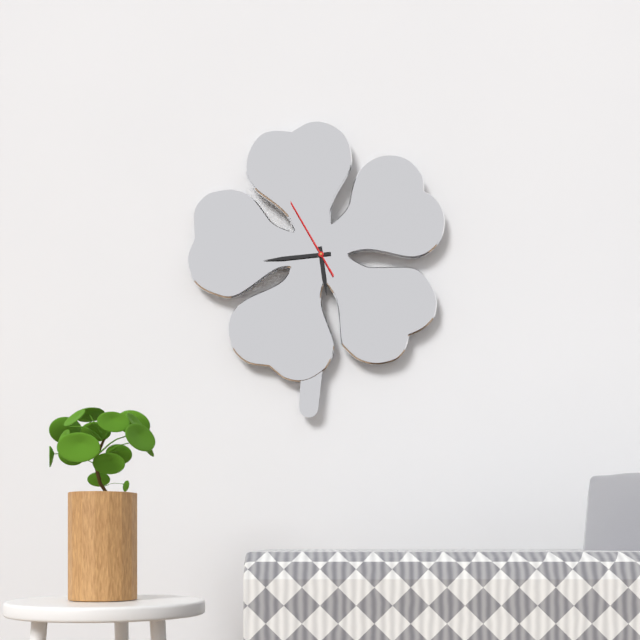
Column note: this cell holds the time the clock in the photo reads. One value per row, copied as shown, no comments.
5:44:55
